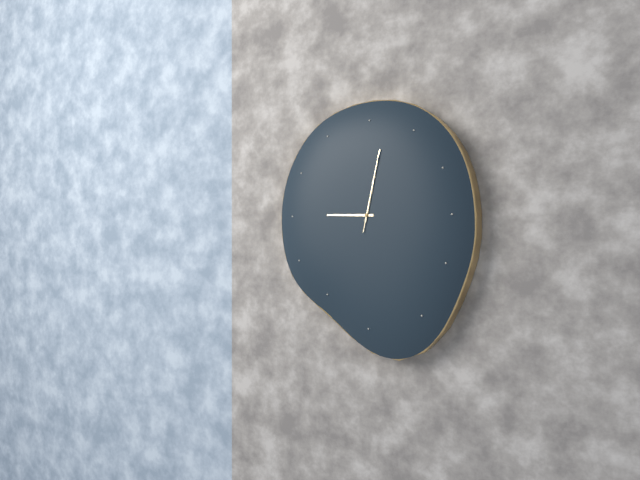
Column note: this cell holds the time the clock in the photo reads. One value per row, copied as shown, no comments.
9:02:02
